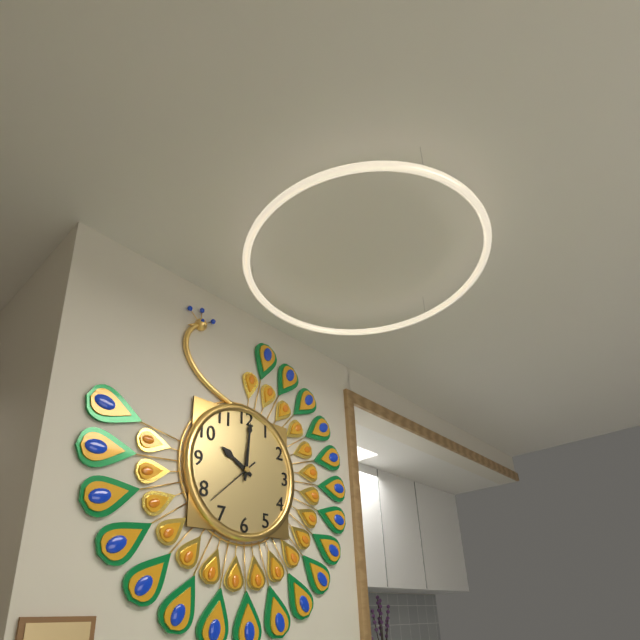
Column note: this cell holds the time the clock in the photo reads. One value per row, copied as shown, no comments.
10:01:38
